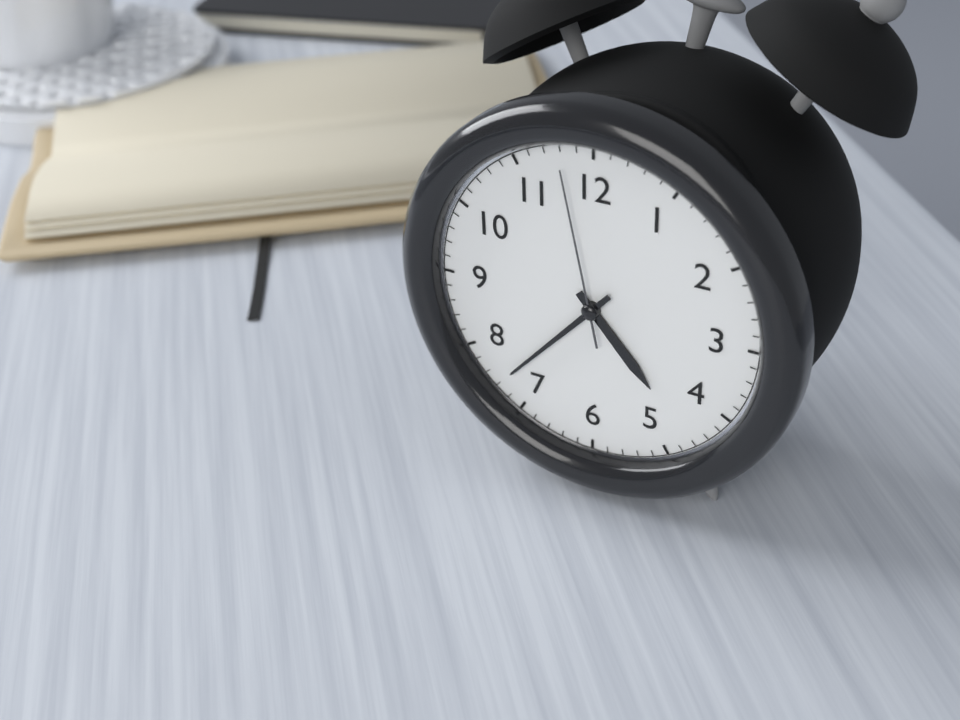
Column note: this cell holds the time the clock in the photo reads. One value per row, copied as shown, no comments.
4:37:58
